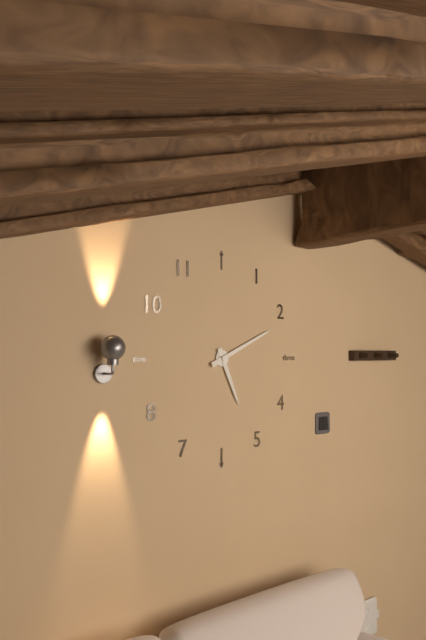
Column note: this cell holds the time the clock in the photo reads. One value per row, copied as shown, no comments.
5:11
